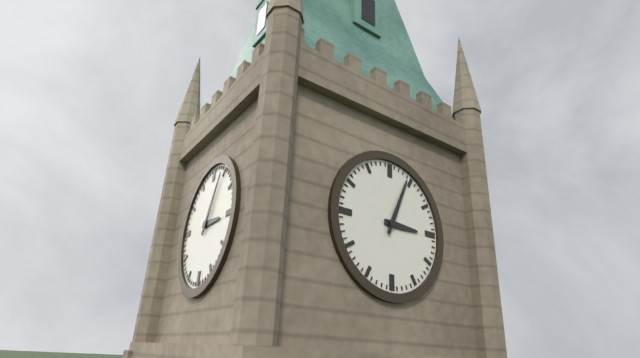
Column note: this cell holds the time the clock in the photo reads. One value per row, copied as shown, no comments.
3:04
